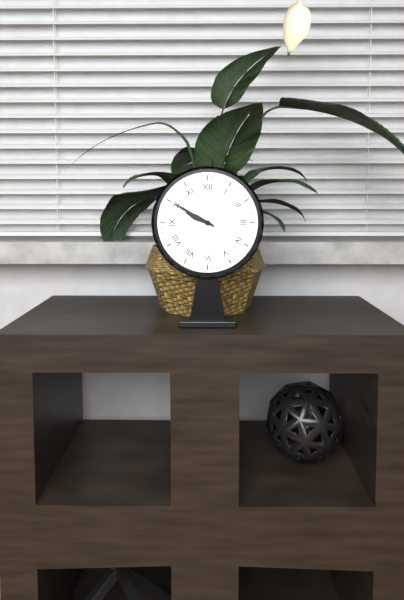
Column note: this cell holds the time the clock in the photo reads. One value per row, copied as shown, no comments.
9:50
